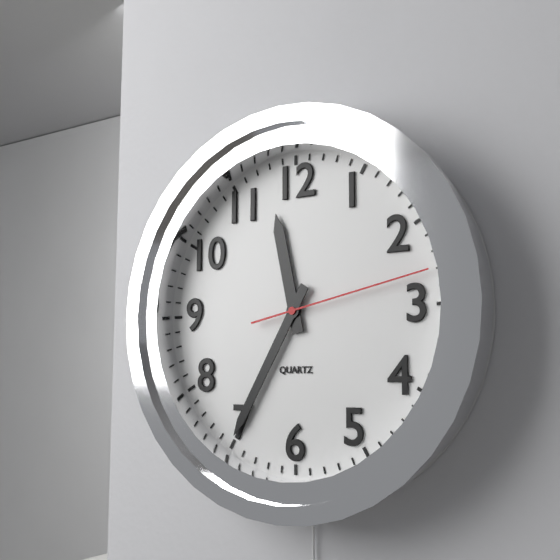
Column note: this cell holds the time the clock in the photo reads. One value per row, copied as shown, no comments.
11:35:13
